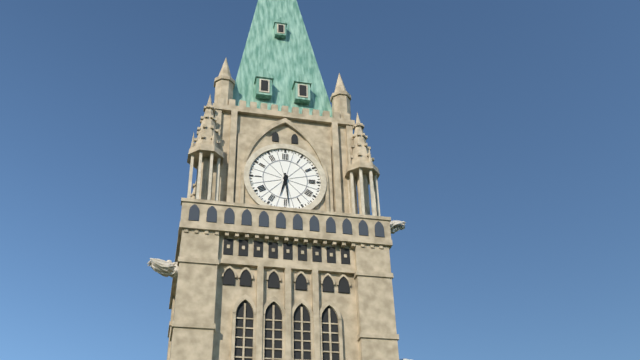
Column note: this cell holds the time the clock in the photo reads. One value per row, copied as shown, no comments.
6:29
